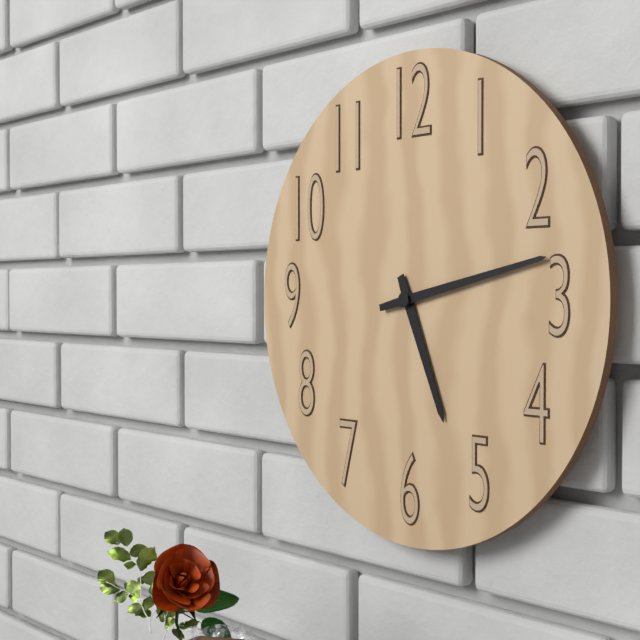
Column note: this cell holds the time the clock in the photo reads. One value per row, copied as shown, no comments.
5:13
